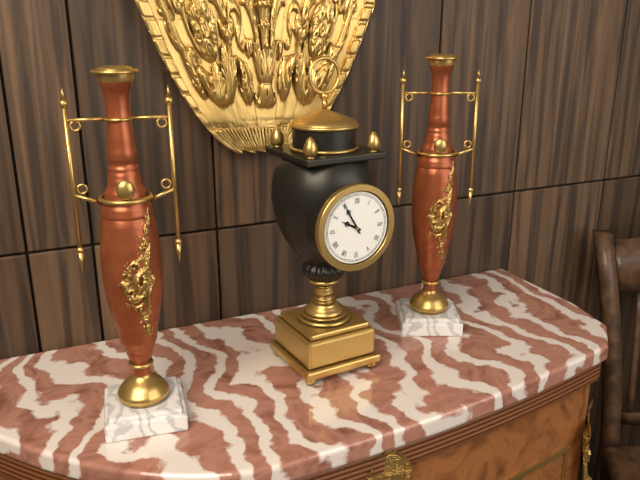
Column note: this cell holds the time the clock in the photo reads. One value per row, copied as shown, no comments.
9:55
